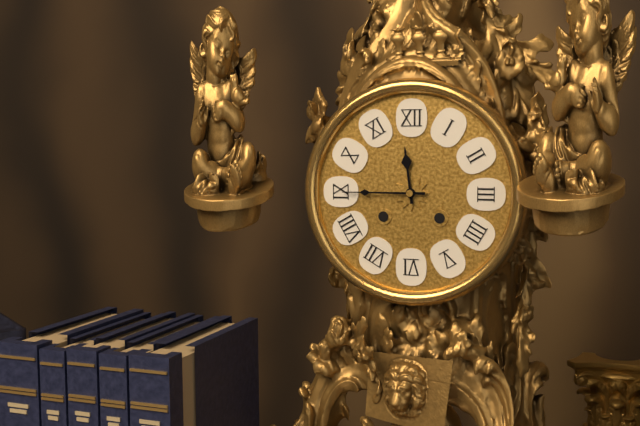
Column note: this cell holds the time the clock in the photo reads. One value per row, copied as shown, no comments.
11:45
